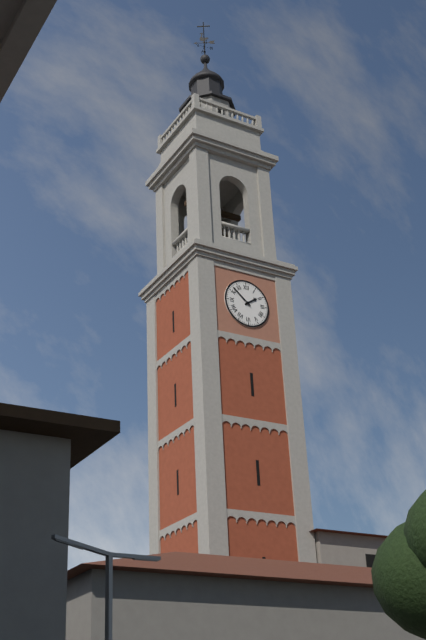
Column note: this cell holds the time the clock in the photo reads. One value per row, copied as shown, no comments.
1:52
